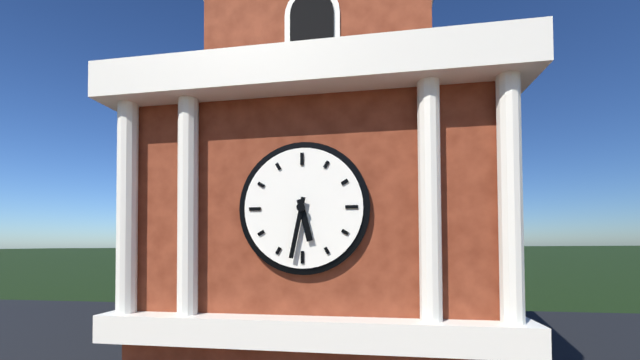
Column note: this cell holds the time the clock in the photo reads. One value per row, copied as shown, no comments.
5:32
